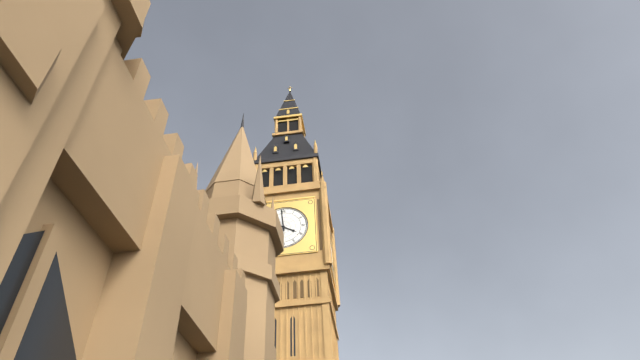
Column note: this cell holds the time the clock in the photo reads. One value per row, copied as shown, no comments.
3:59
